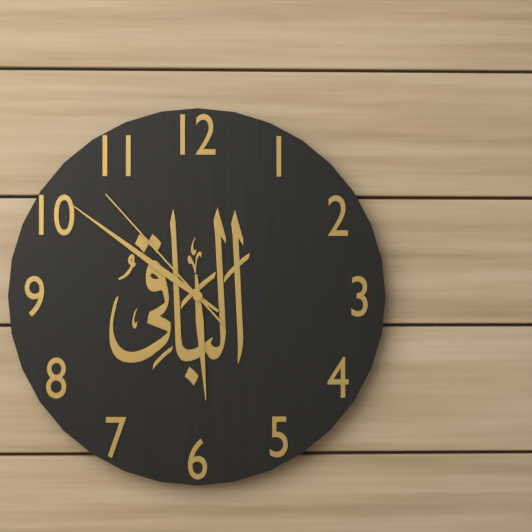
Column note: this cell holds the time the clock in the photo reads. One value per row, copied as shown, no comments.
5:51:53
